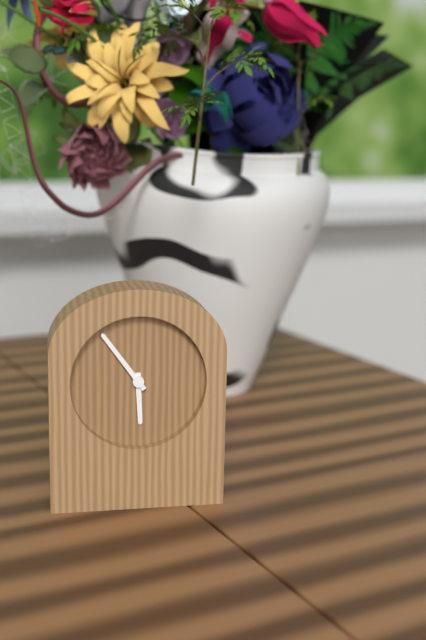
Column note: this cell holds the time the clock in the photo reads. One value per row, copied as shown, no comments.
5:54
